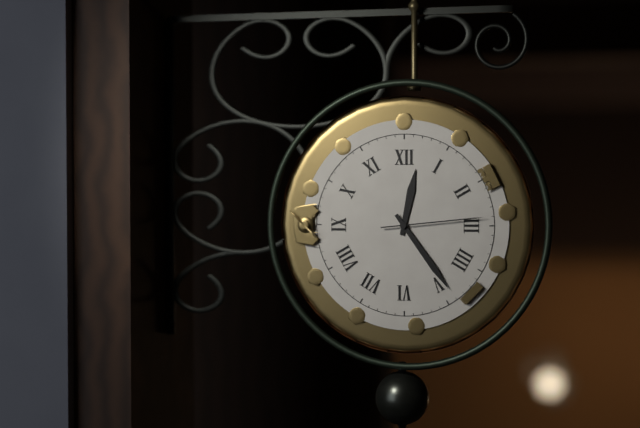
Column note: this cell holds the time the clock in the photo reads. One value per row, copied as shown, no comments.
12:24:14
